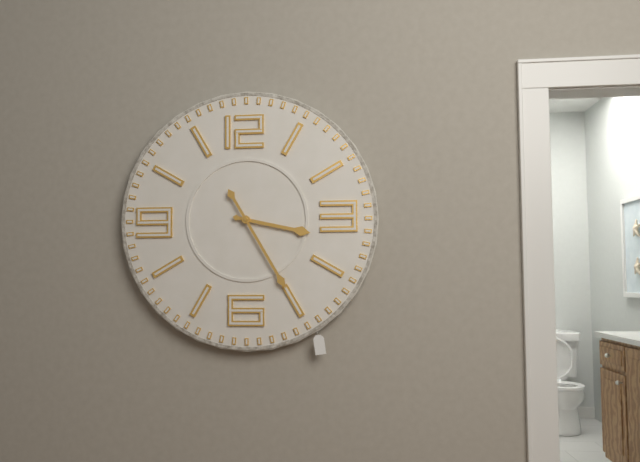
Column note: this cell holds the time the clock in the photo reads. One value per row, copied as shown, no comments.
3:25
